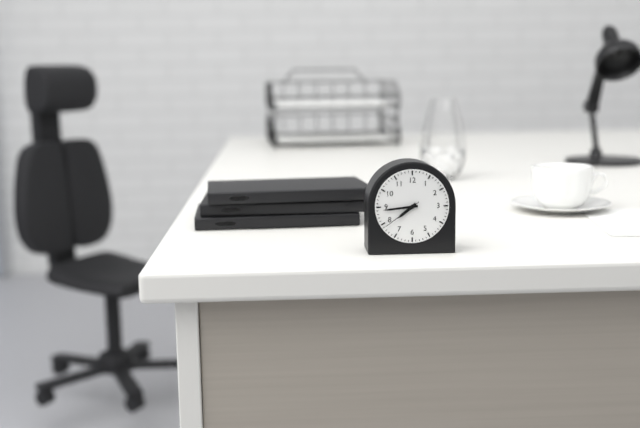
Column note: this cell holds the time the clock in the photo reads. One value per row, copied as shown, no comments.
7:44
